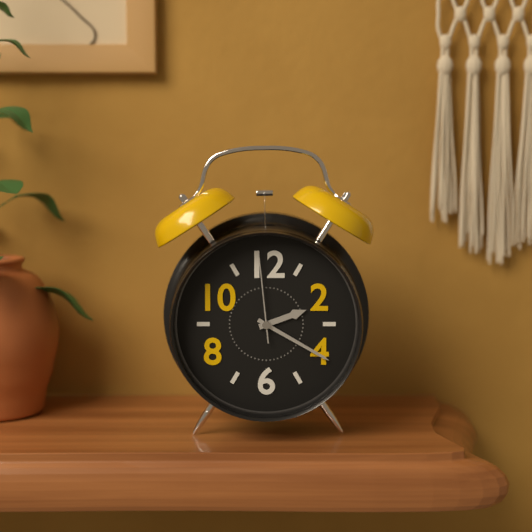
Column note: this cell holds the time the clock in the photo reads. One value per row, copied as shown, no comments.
2:20:59
